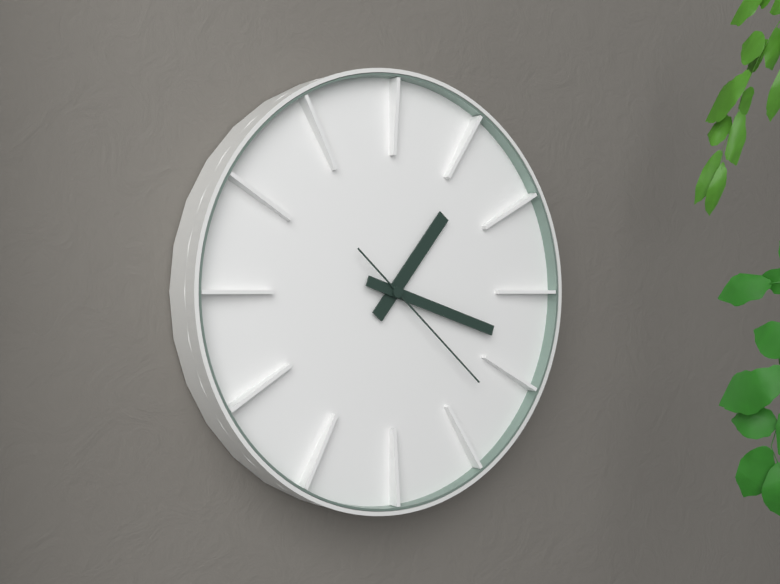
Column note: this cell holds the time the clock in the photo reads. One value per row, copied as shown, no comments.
1:18:22
